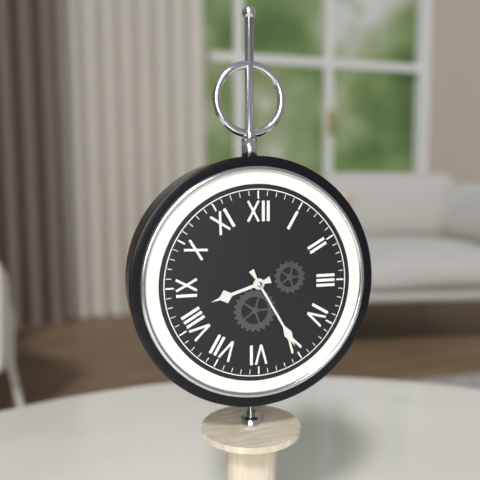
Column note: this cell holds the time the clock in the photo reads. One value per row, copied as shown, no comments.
8:25
